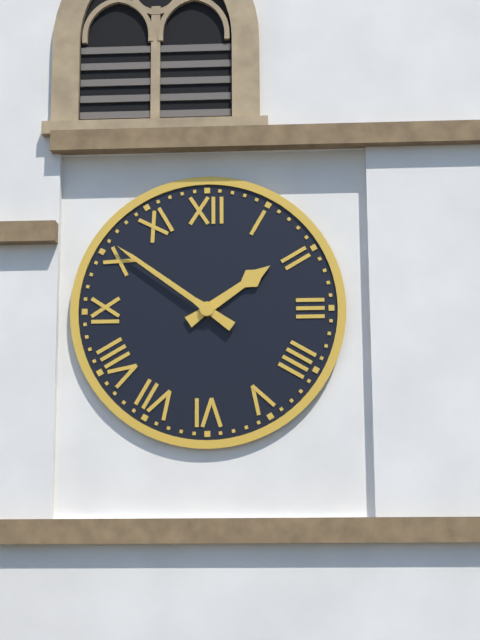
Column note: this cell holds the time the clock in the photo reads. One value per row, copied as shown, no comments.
1:51
